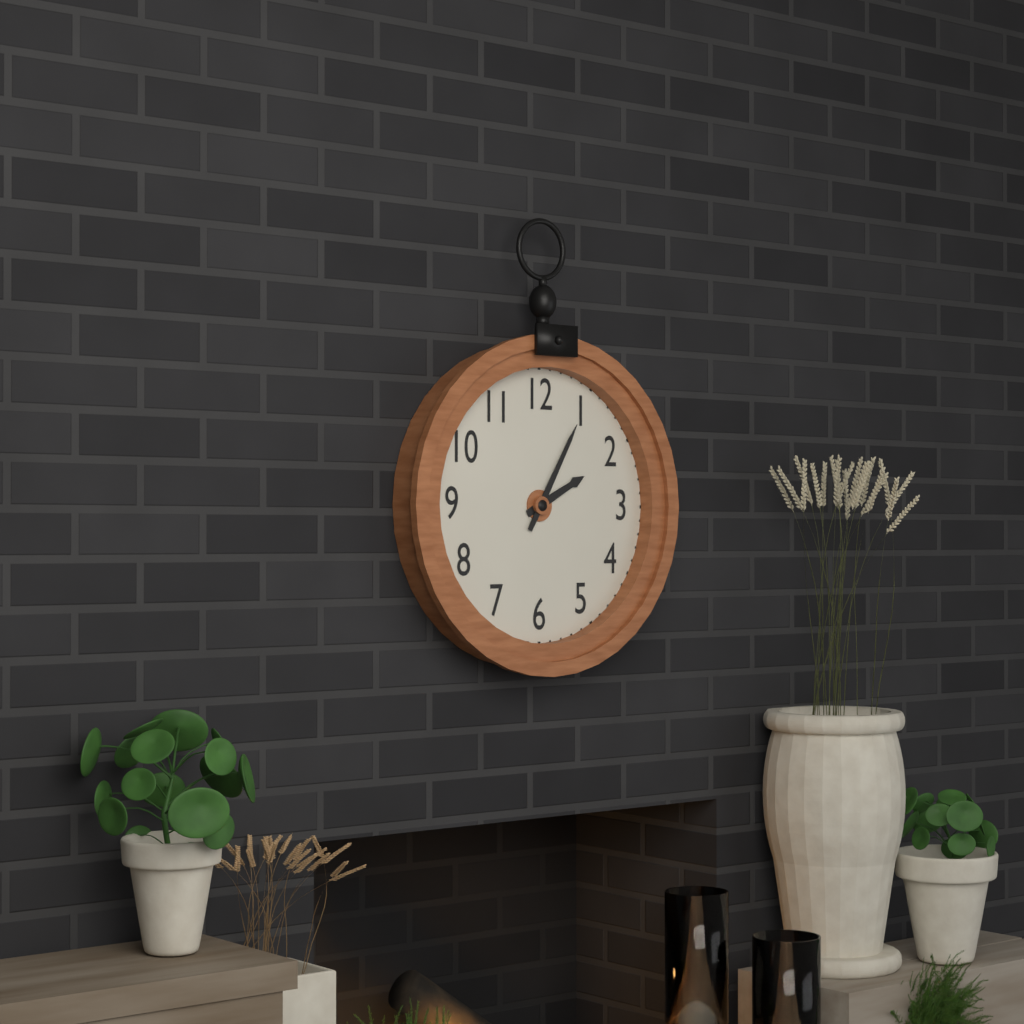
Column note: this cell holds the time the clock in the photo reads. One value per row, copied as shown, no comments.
2:05
